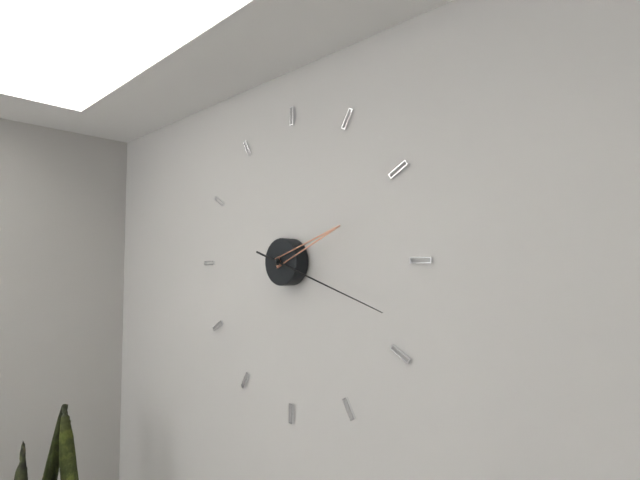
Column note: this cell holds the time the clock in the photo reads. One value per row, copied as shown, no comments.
2:18
